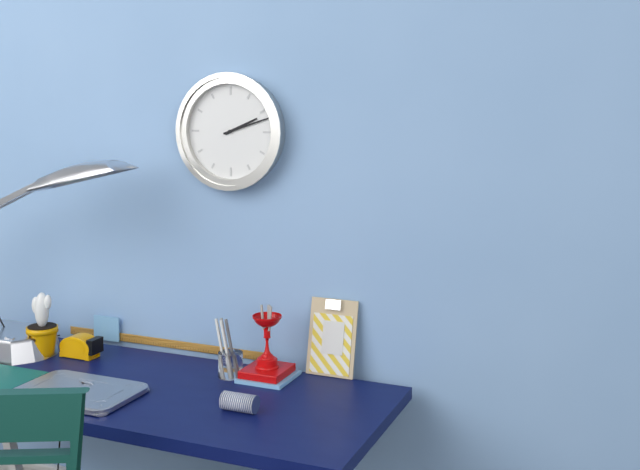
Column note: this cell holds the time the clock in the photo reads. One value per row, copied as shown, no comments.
2:12
